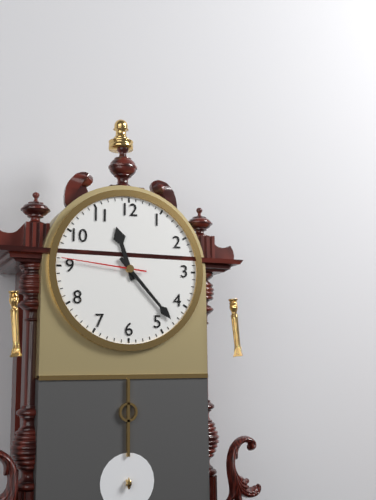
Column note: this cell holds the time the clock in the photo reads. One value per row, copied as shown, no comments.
11:23:46
